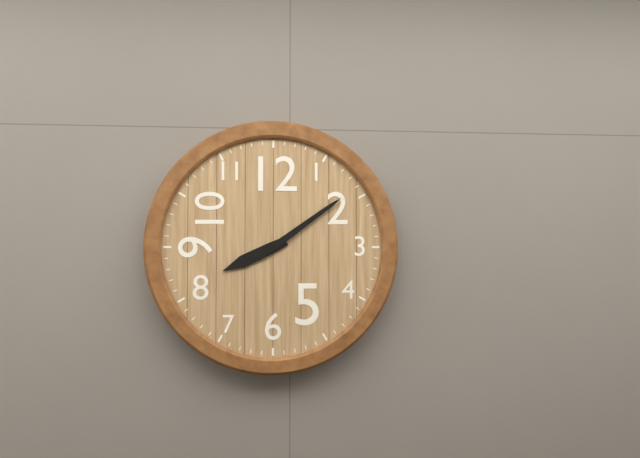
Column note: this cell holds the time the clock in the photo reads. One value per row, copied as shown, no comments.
8:09
